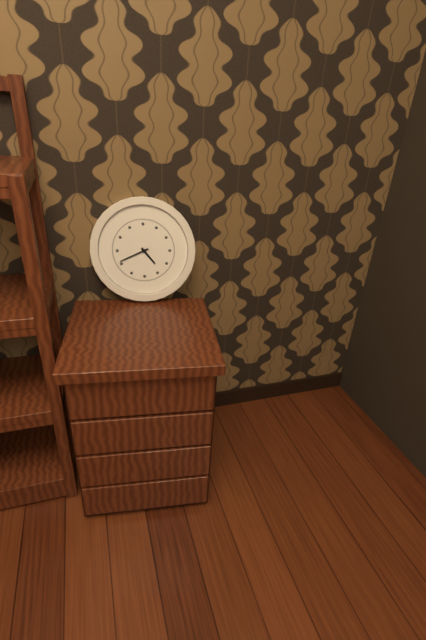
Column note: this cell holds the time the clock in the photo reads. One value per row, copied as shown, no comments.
4:41
